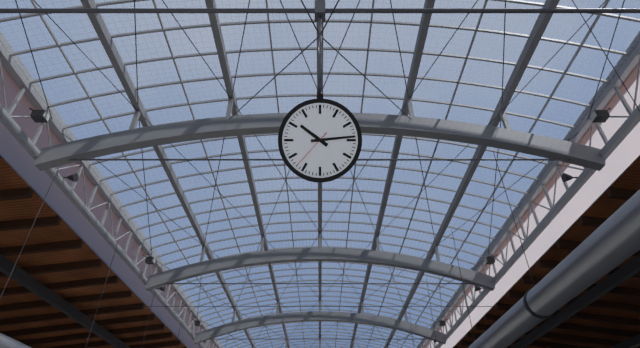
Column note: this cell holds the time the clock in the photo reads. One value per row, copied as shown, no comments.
10:14
